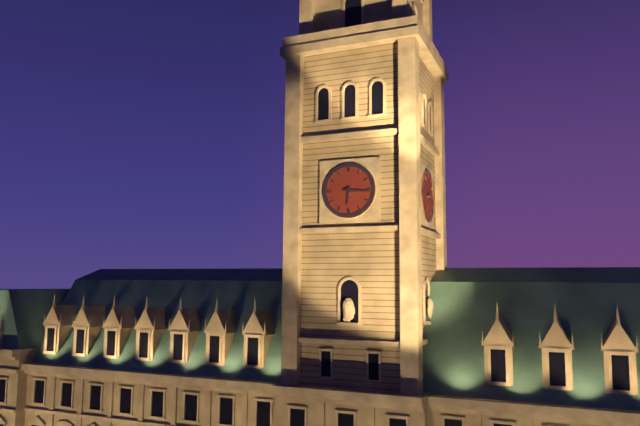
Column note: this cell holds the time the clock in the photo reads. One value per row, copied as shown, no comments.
6:16
